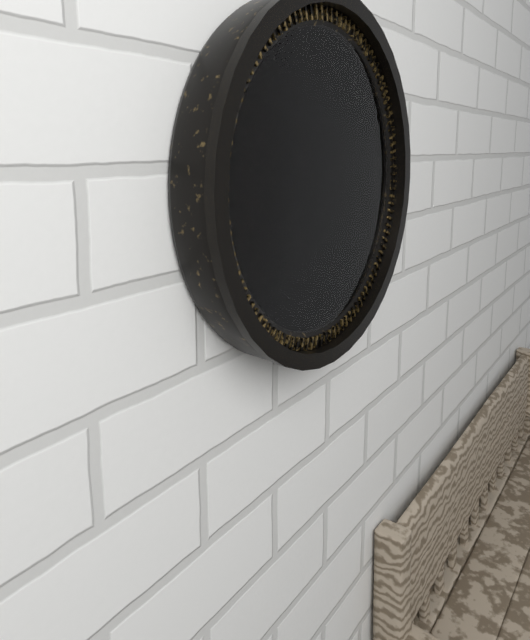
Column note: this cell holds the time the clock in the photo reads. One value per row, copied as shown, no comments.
10:23
